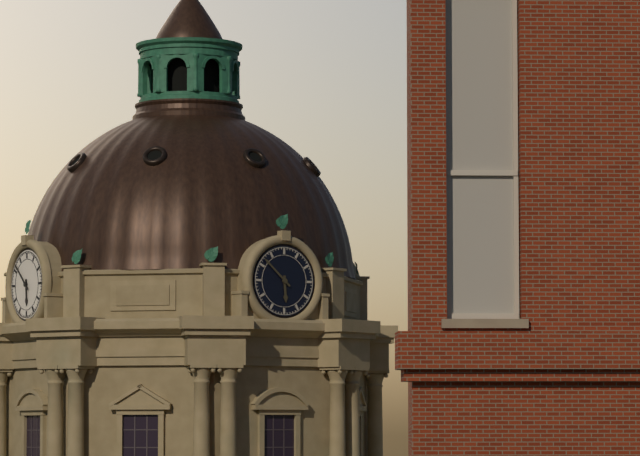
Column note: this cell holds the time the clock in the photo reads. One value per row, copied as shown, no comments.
5:52
